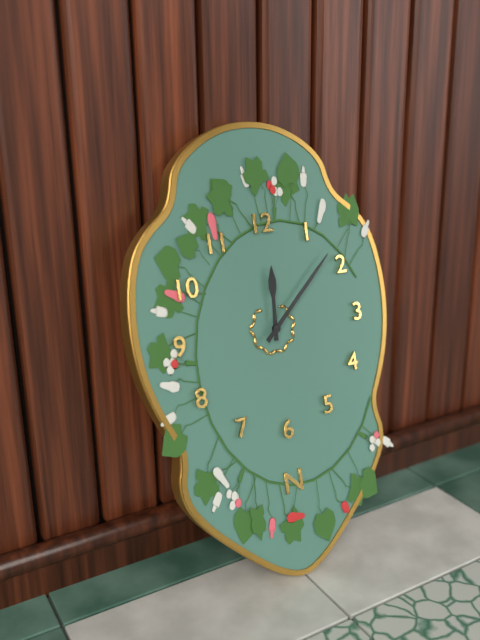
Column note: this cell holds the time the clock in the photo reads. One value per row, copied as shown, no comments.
12:08
